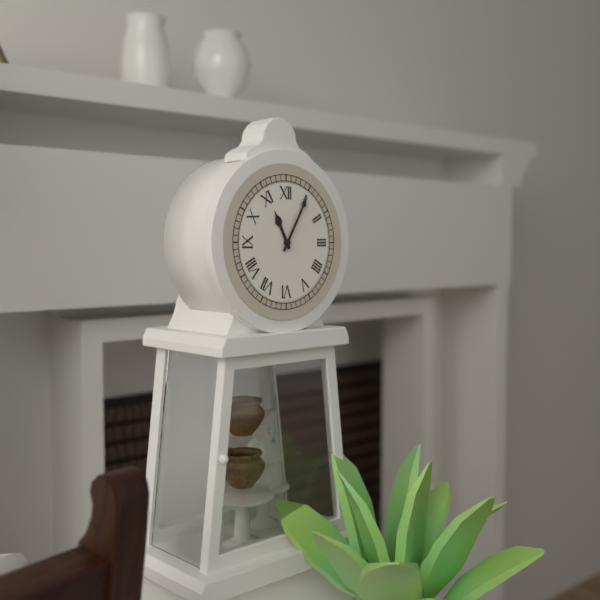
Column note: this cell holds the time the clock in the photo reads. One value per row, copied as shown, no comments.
11:05
